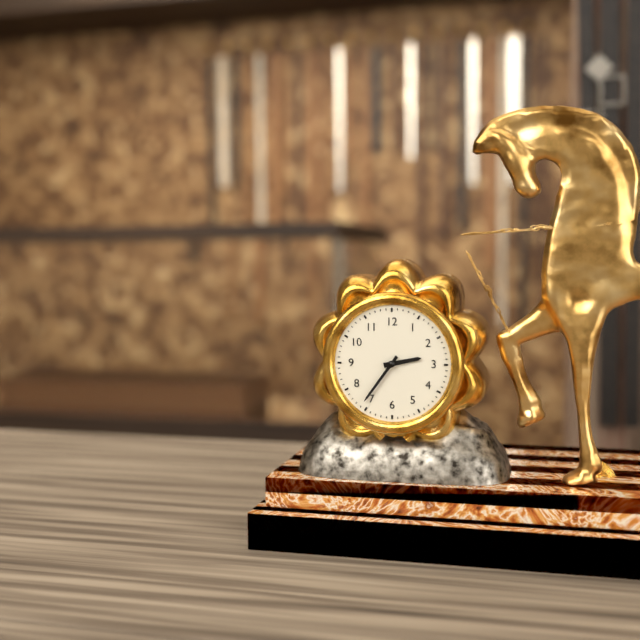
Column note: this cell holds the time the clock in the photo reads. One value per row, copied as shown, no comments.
2:36
